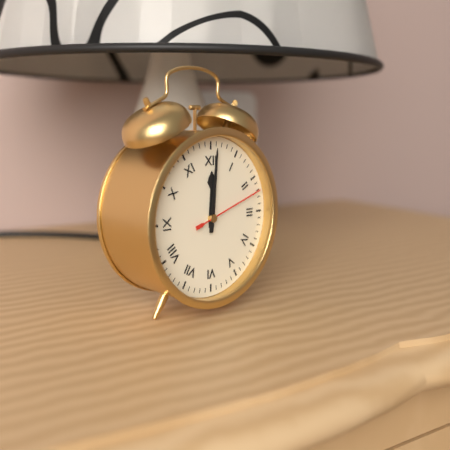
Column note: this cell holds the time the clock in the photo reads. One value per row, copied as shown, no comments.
12:01:12
